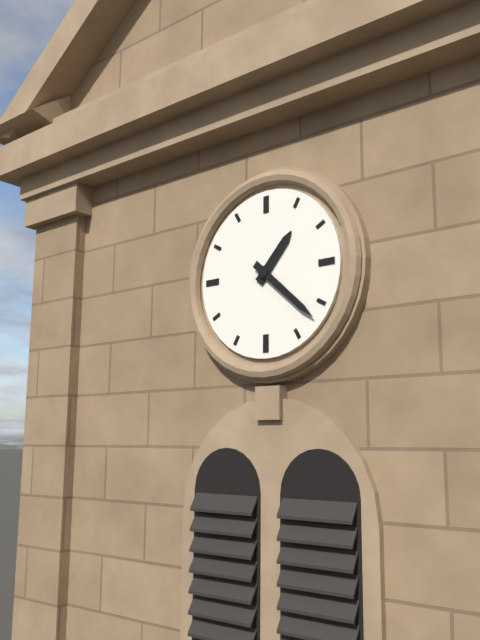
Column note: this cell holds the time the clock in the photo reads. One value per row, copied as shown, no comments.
1:22
